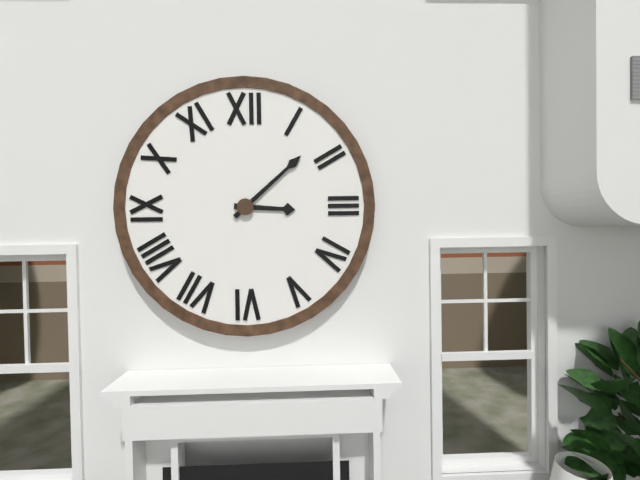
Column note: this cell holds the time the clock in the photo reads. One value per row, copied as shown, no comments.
3:08
